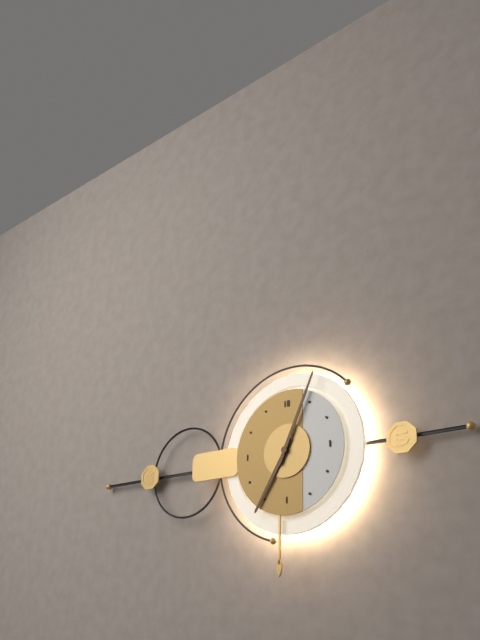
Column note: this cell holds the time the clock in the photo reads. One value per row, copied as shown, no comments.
7:04
